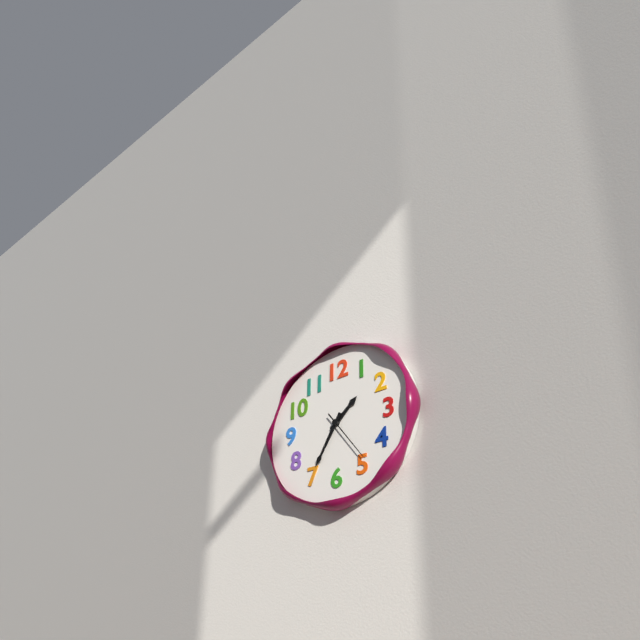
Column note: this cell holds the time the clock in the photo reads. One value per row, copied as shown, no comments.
1:35:24
